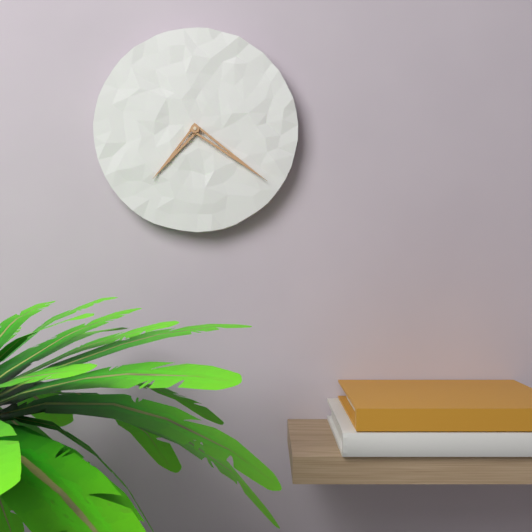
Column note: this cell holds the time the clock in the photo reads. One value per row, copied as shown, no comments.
7:21
